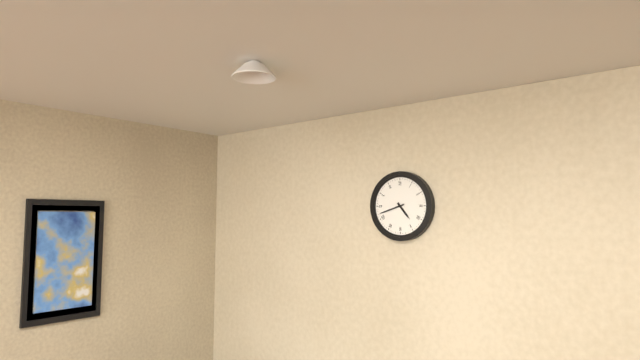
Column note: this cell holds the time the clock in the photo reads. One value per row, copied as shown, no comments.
4:42
